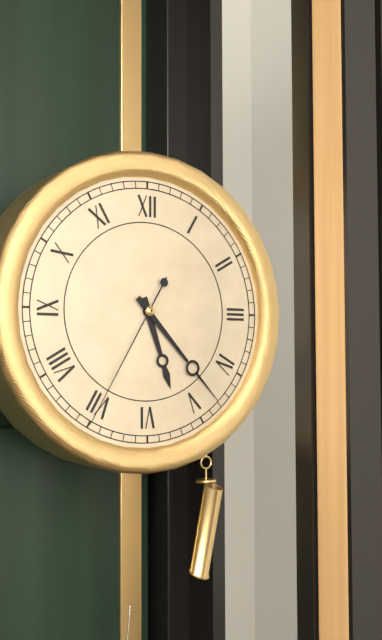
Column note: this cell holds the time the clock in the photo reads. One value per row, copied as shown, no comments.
5:23:35
